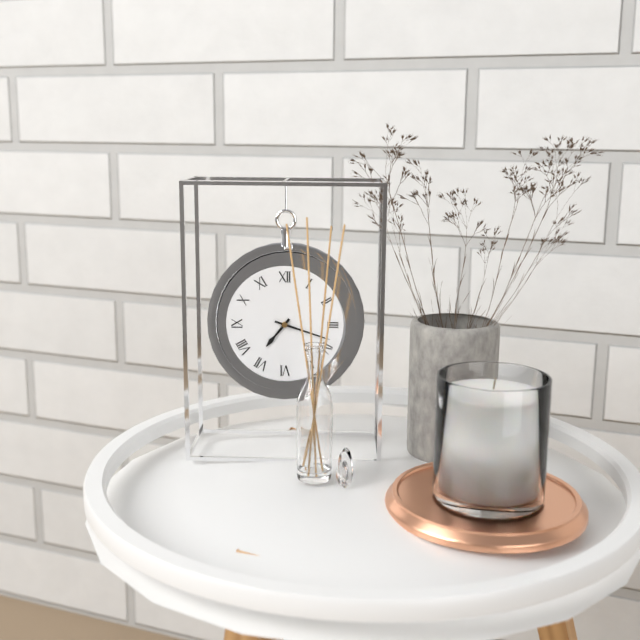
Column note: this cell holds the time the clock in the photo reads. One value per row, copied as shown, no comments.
7:18
